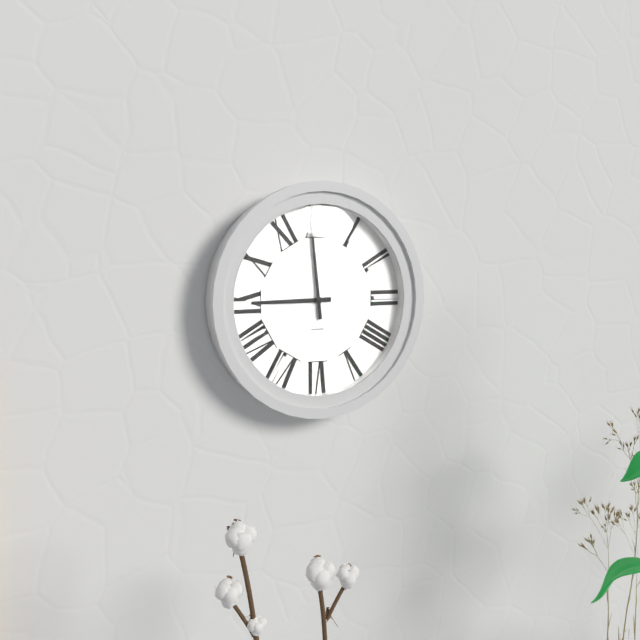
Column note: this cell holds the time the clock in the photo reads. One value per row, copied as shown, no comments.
8:59
